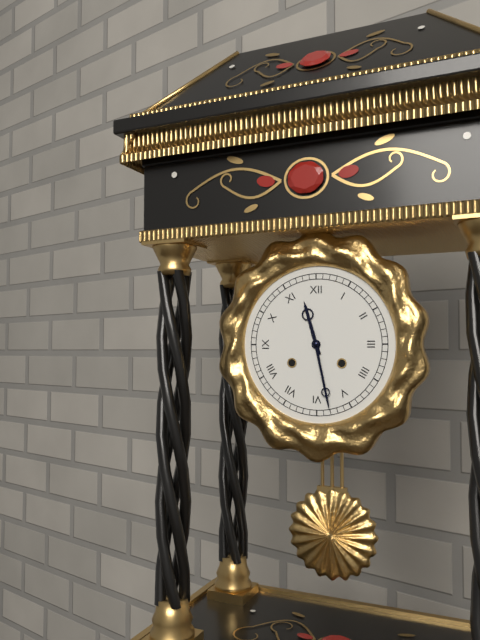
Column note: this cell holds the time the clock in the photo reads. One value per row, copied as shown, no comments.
11:28
